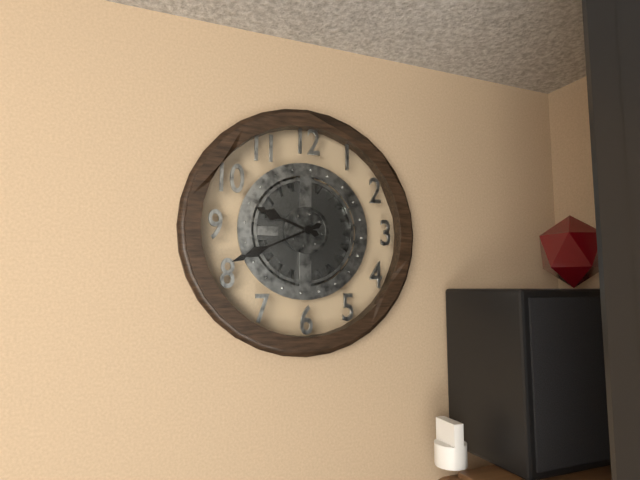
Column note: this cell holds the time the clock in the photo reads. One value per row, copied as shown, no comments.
9:41
